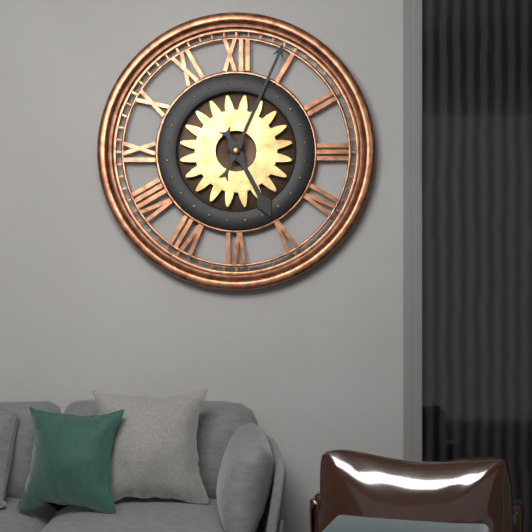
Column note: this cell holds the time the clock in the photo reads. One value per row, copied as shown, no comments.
5:04
